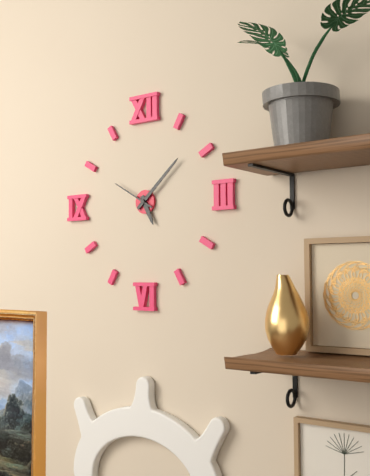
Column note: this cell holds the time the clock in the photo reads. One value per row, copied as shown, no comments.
5:08
